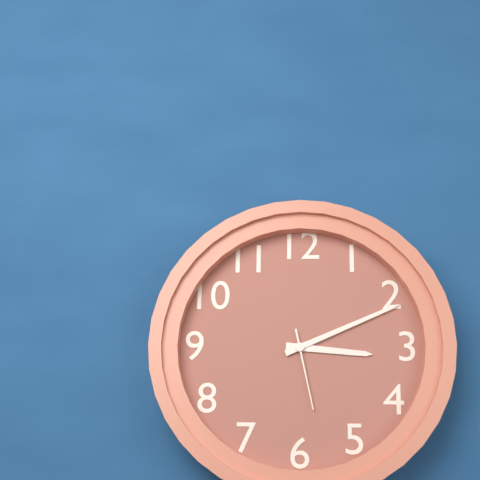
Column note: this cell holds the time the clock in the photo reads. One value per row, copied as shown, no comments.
3:11:28
